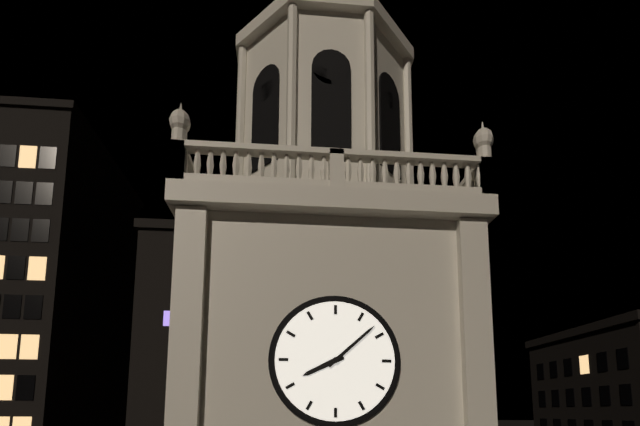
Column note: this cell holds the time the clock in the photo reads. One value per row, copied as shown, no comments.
8:08
